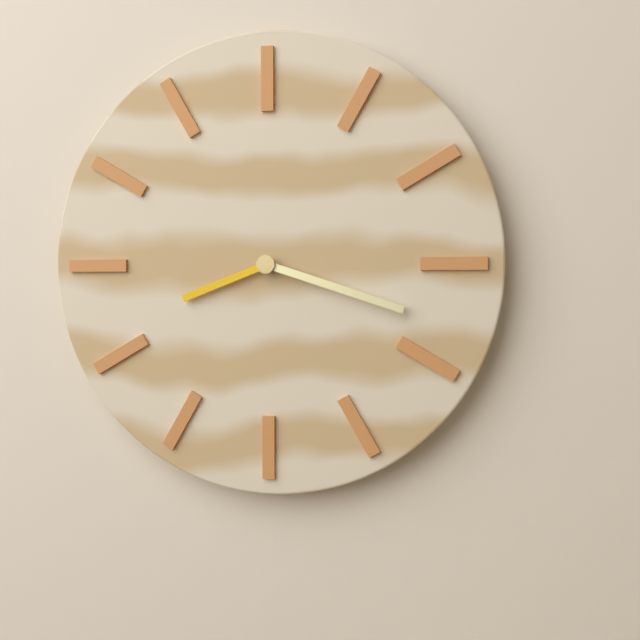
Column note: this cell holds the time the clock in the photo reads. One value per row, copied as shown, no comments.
8:18
